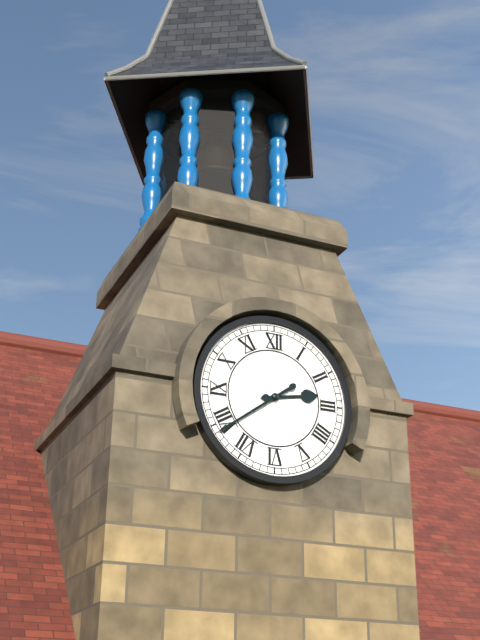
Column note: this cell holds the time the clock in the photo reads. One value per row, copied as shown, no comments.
2:39
